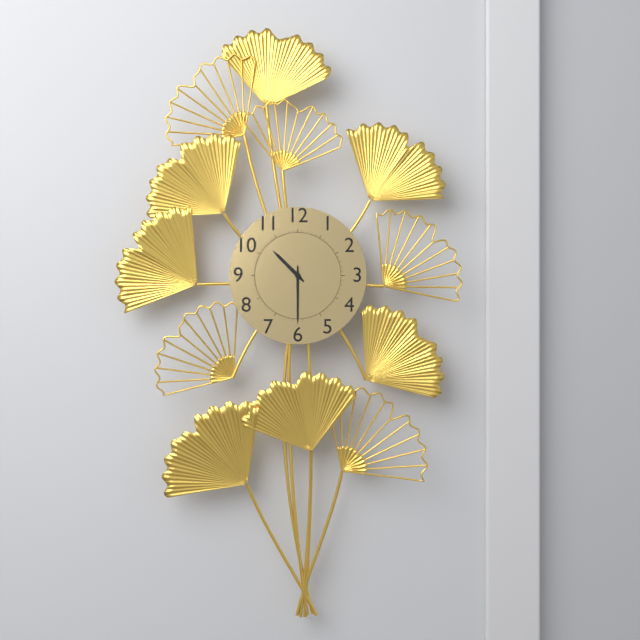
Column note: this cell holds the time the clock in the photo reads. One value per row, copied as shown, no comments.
10:30
